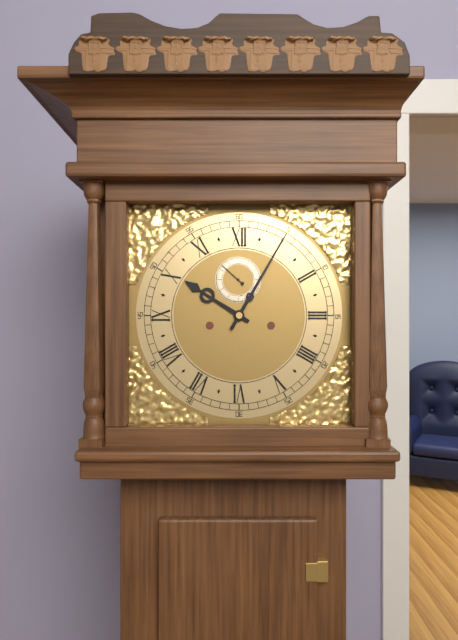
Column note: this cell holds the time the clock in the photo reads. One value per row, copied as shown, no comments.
10:05
